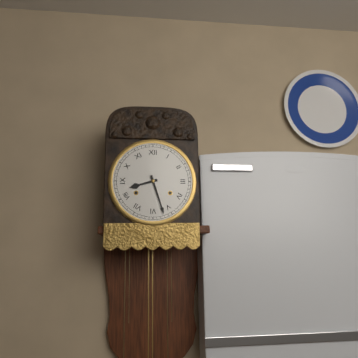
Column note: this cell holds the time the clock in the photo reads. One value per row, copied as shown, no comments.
8:27
